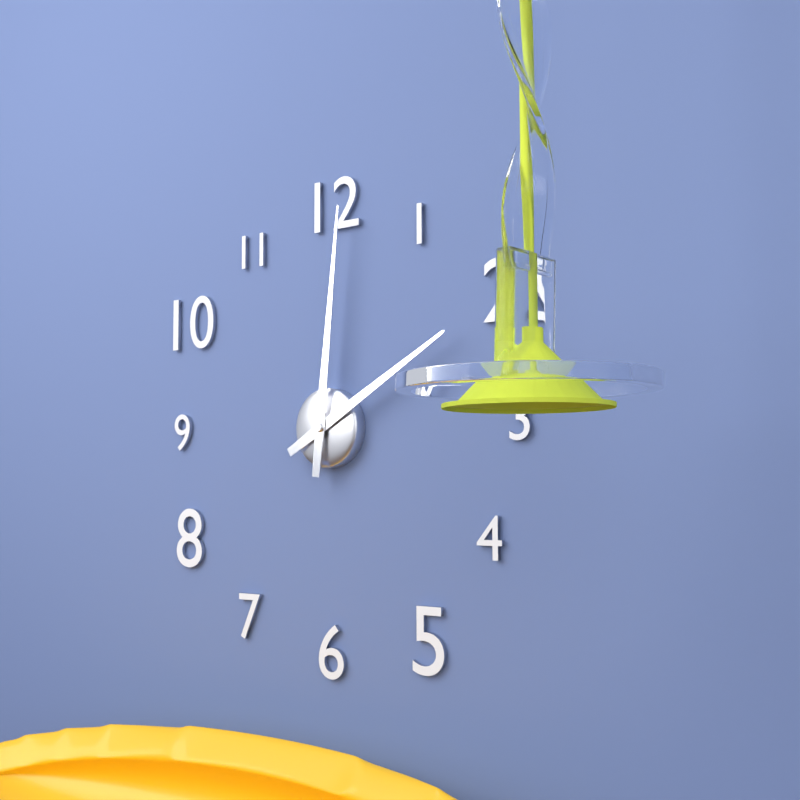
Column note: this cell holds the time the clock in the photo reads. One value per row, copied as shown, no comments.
2:01
